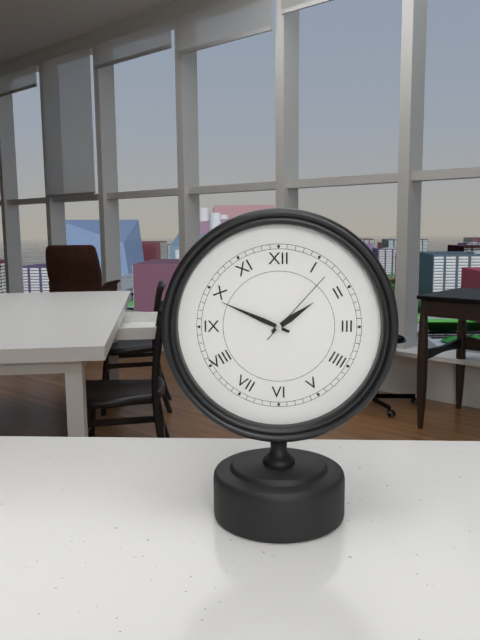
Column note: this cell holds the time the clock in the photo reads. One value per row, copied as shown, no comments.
1:49:07
